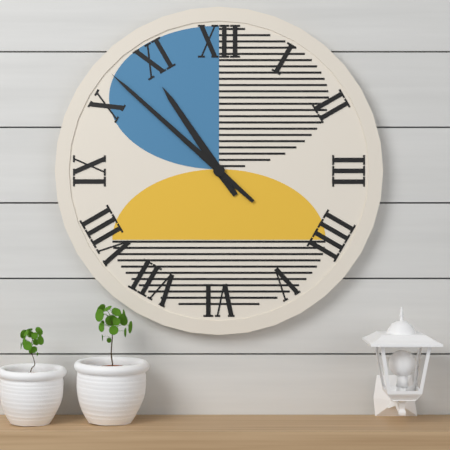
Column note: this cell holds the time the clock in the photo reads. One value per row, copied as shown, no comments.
10:52
